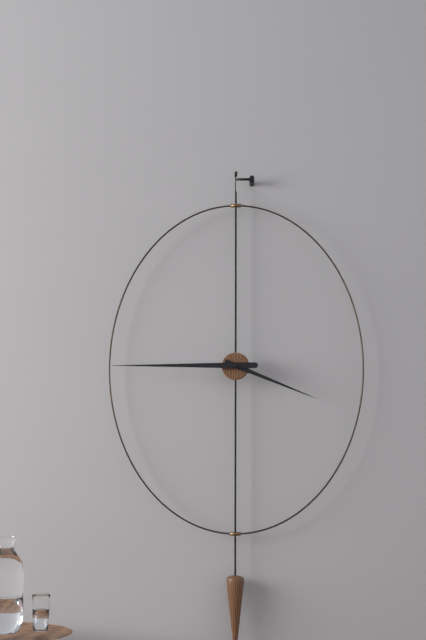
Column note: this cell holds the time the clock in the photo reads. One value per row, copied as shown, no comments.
3:45
